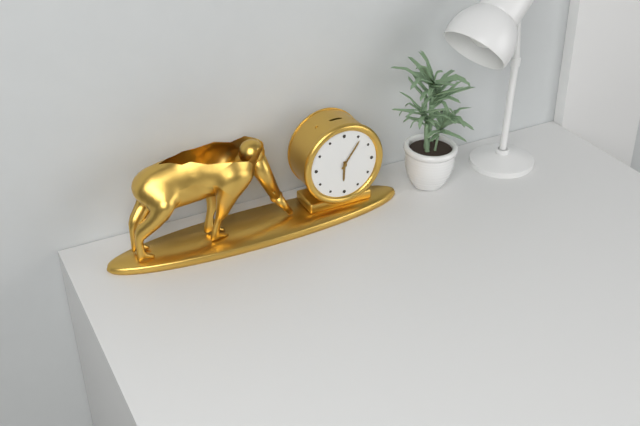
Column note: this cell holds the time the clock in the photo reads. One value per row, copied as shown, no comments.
6:06
